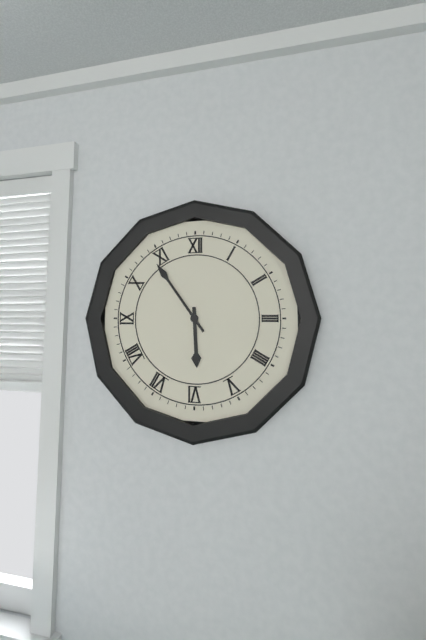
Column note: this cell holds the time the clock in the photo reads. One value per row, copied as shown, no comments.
5:54
